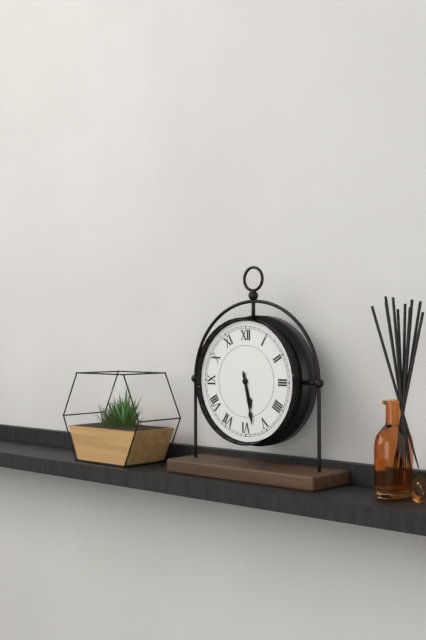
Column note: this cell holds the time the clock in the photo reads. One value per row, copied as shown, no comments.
5:28
